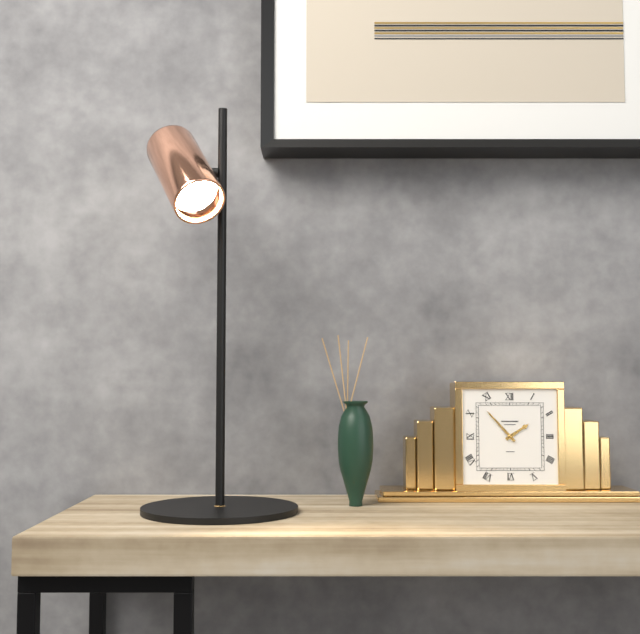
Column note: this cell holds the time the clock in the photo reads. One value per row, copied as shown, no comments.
1:53
